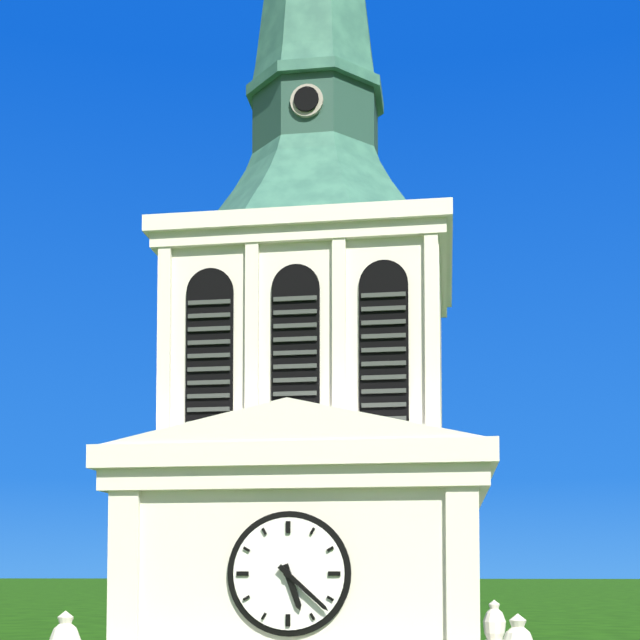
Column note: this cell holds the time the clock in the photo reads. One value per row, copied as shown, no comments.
5:22
